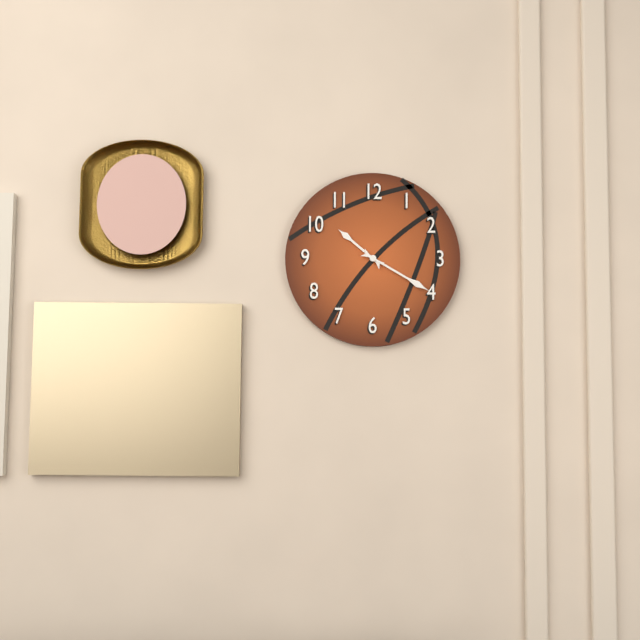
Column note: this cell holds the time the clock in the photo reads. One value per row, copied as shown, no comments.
10:20
